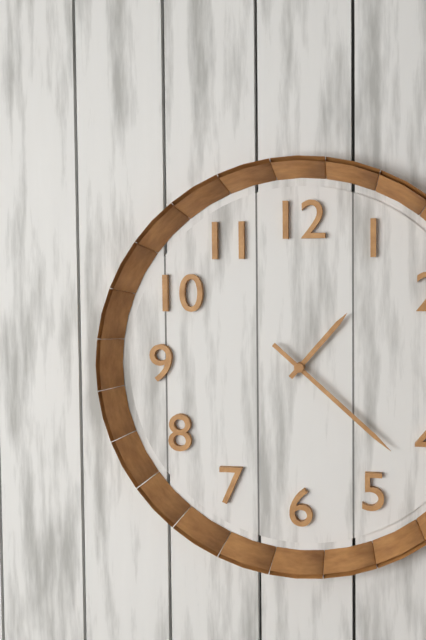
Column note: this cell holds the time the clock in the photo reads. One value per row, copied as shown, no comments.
1:22
